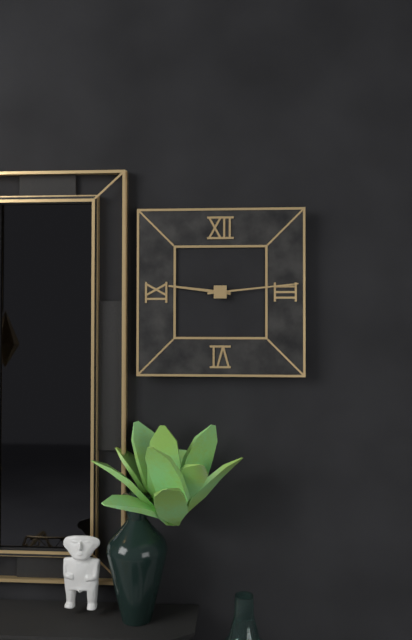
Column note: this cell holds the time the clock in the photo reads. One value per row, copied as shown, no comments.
9:14
